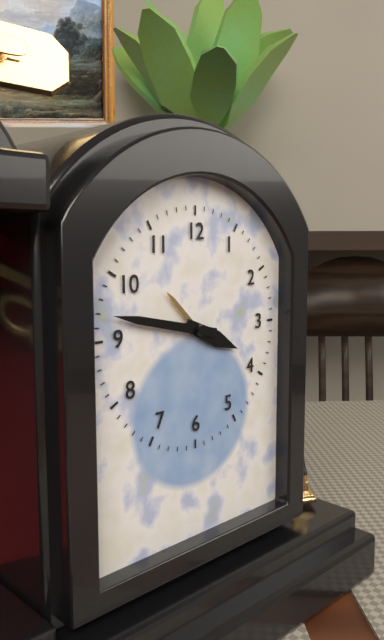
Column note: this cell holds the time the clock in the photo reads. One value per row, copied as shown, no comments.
3:47
